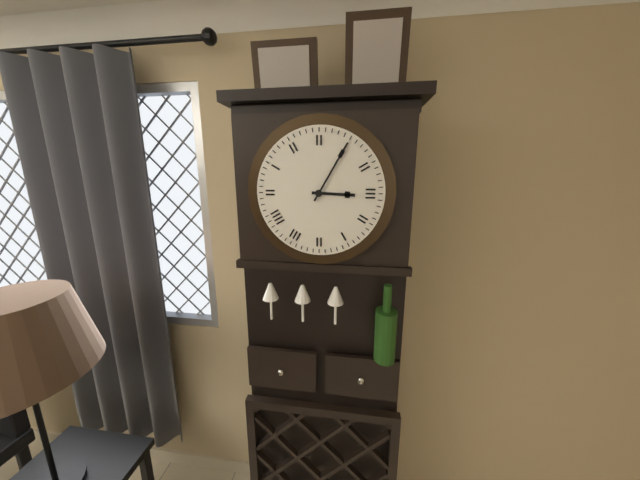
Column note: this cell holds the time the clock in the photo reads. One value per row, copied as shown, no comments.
3:05
